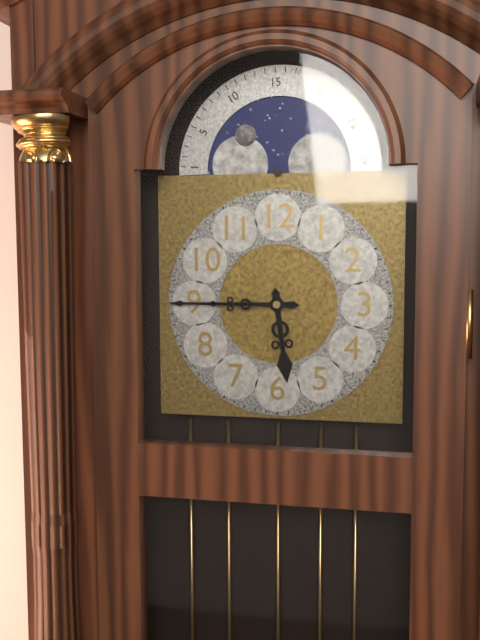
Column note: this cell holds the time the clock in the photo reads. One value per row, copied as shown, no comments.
5:45
